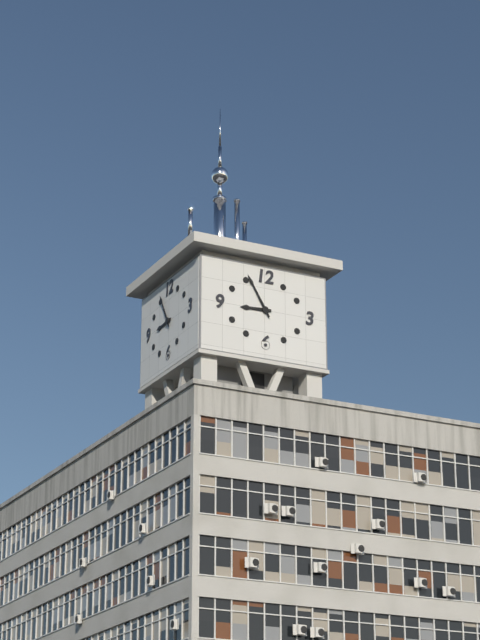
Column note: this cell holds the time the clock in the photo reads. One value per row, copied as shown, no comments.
8:55
